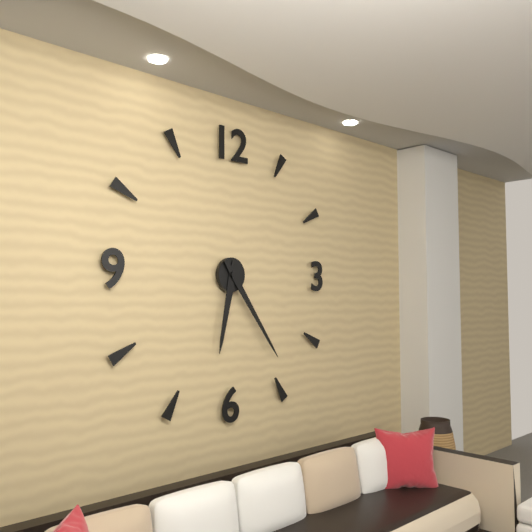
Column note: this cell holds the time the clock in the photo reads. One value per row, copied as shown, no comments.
6:24
